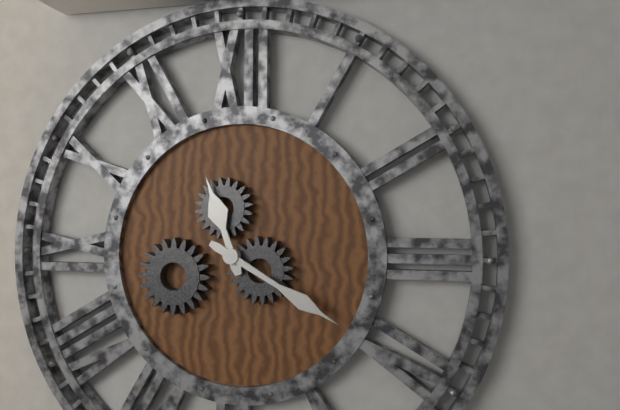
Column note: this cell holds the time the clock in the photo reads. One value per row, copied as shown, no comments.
11:20
